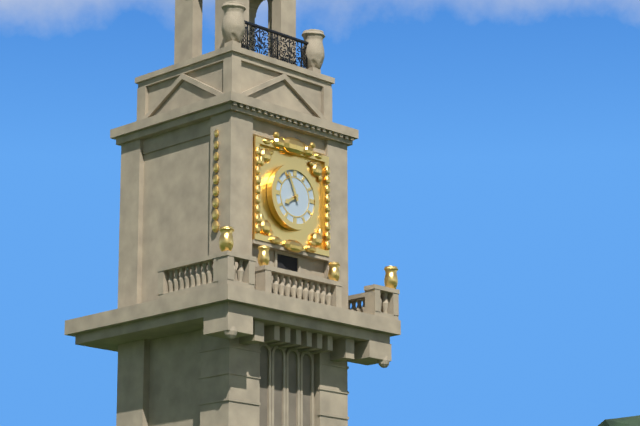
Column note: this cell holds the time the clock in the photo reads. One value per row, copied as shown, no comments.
7:56
